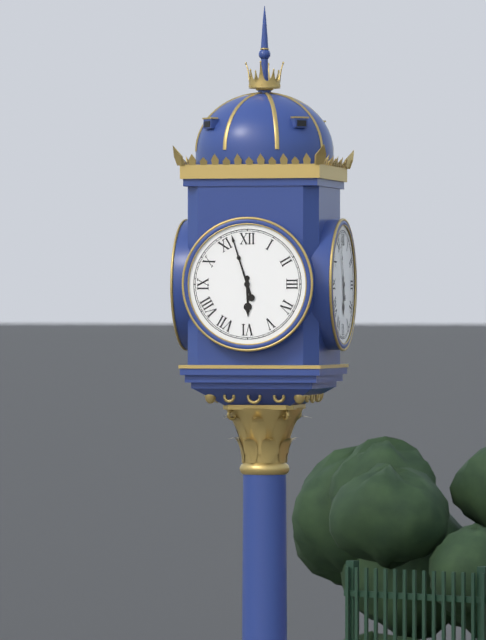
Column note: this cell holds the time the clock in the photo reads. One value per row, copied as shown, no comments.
5:57
